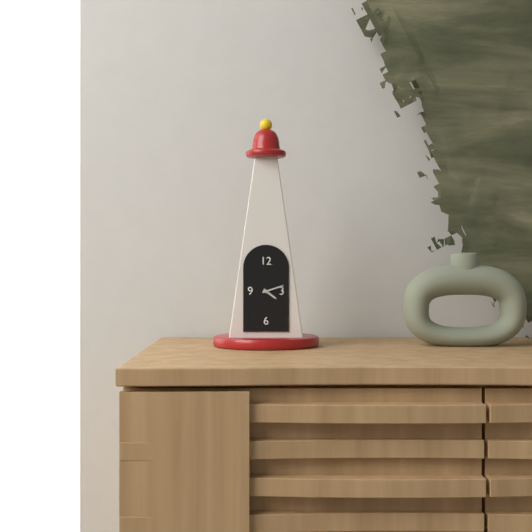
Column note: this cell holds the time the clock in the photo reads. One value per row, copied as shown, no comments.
4:12
